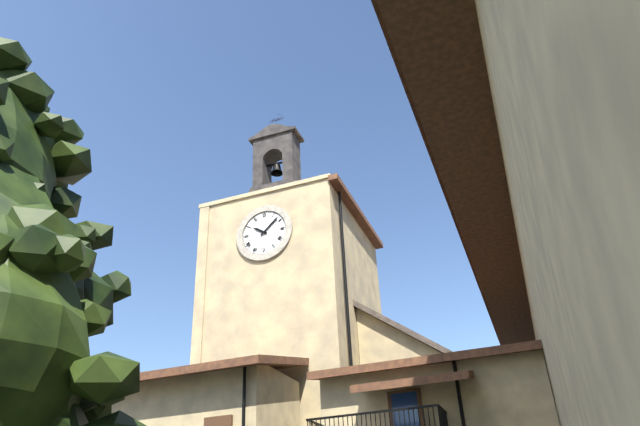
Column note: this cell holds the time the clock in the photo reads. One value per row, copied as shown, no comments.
10:08
